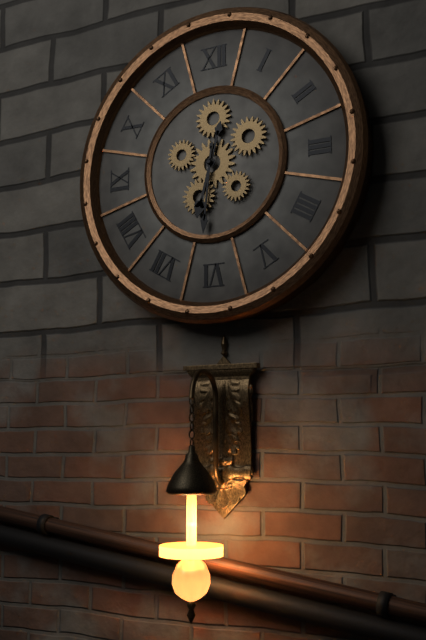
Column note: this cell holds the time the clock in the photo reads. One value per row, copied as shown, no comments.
6:31
